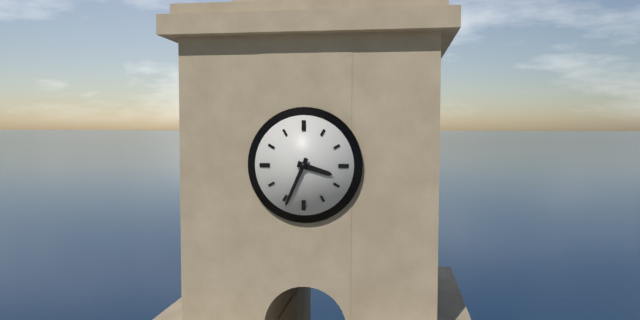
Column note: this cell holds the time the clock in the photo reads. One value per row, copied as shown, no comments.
3:34
